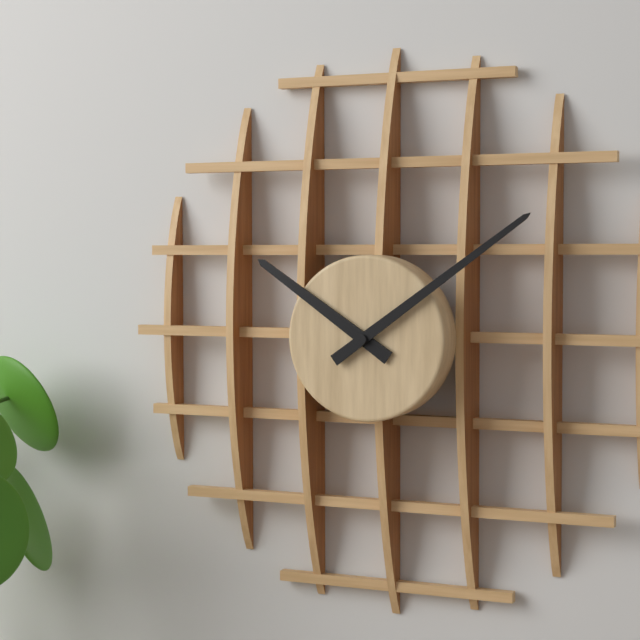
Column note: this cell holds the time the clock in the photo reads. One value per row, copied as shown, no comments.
10:09
